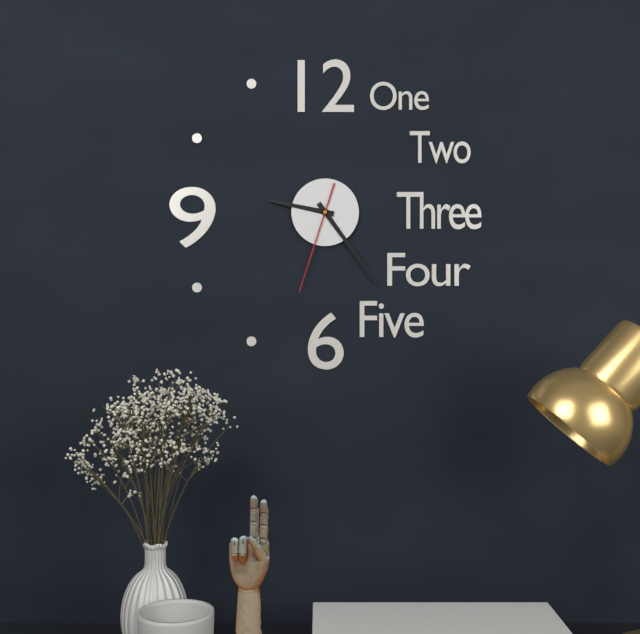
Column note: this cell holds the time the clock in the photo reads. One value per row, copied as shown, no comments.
9:24:33
